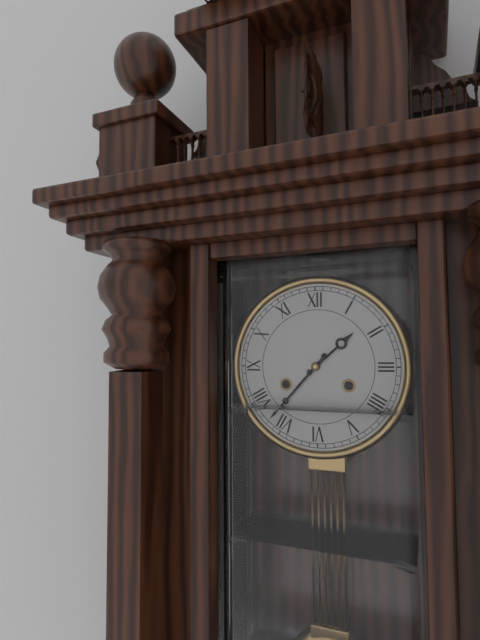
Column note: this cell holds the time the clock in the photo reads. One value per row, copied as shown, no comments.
1:37
